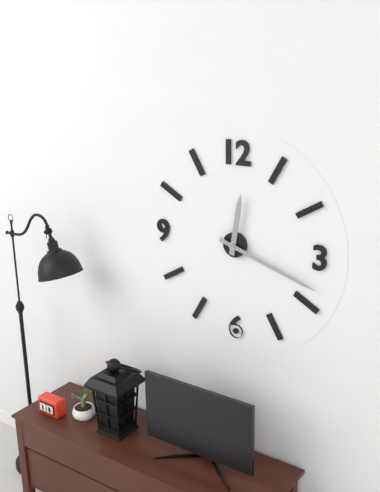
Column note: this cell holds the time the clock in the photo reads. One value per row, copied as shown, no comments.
12:18
